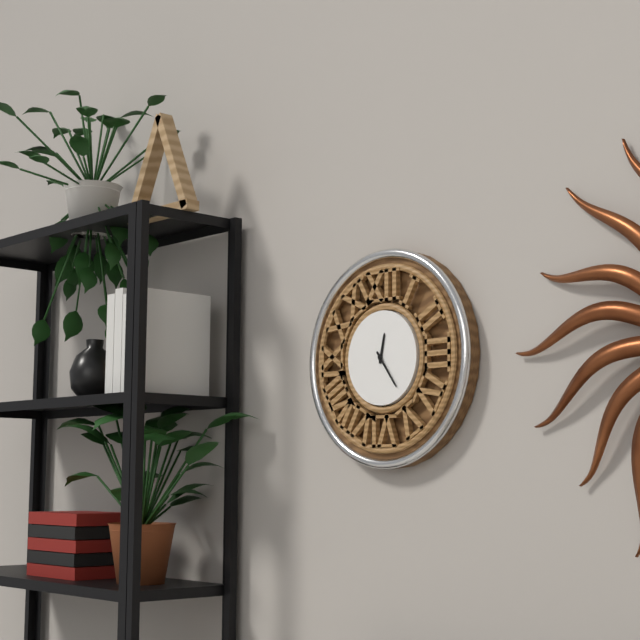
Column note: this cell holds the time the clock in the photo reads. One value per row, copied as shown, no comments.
12:24
